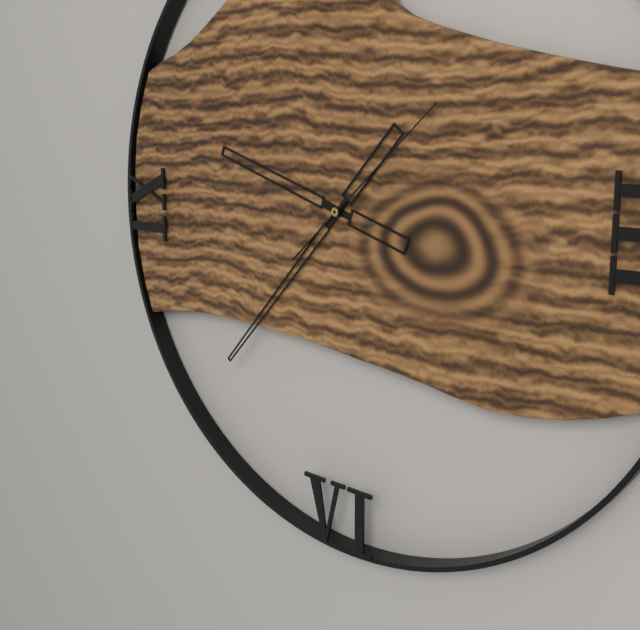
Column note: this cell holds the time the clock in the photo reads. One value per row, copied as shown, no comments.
9:37:08
